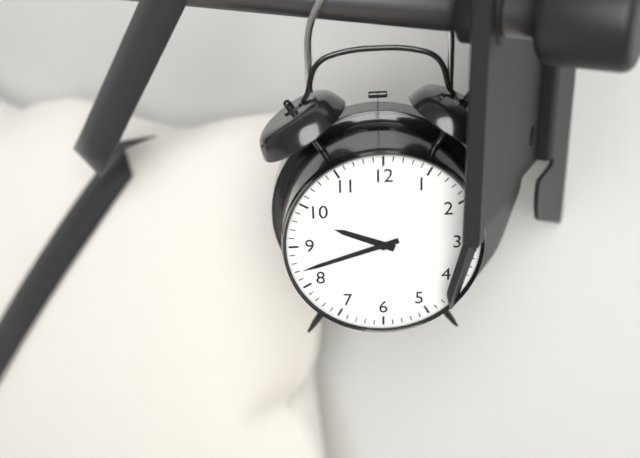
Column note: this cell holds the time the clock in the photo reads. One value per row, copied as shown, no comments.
9:42
